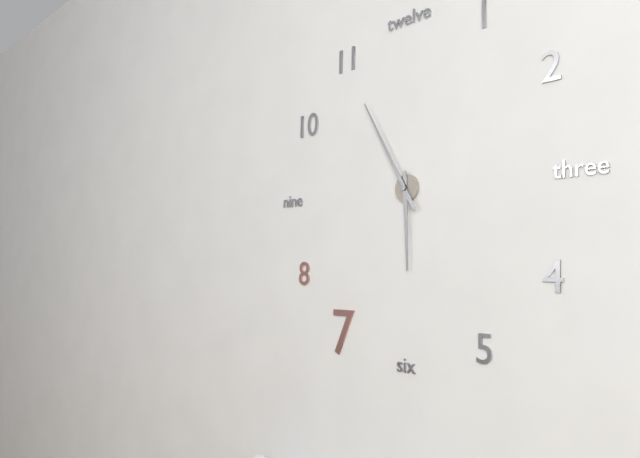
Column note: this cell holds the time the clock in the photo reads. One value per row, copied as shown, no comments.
5:55
